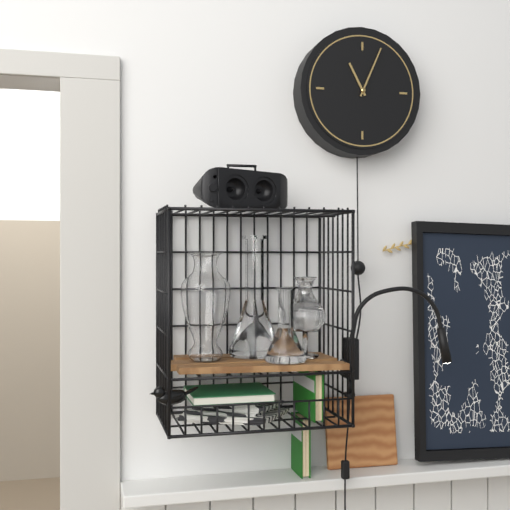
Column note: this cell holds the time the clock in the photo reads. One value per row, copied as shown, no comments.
11:04
